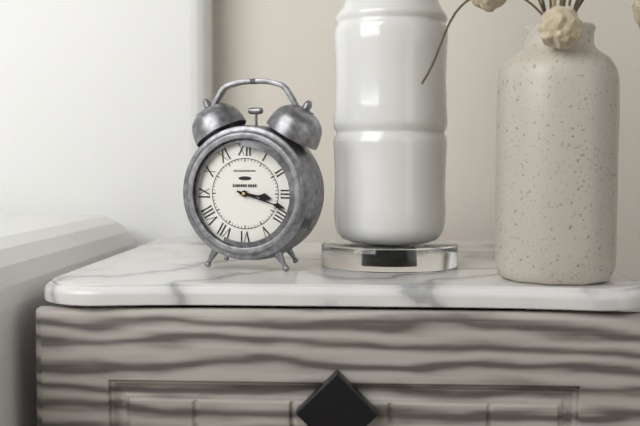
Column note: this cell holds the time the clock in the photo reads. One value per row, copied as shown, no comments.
3:18
